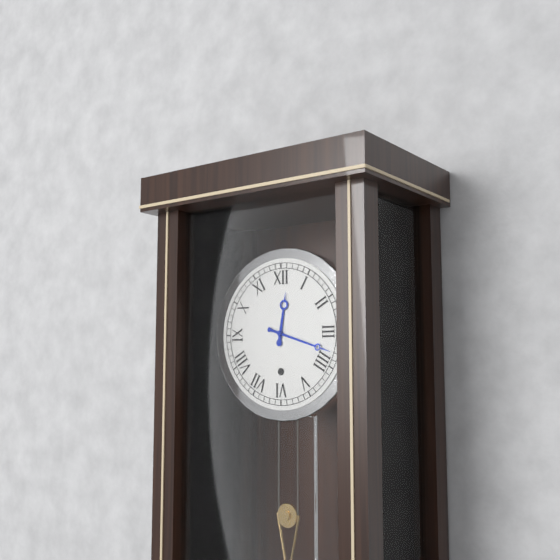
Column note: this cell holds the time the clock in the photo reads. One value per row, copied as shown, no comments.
12:18
